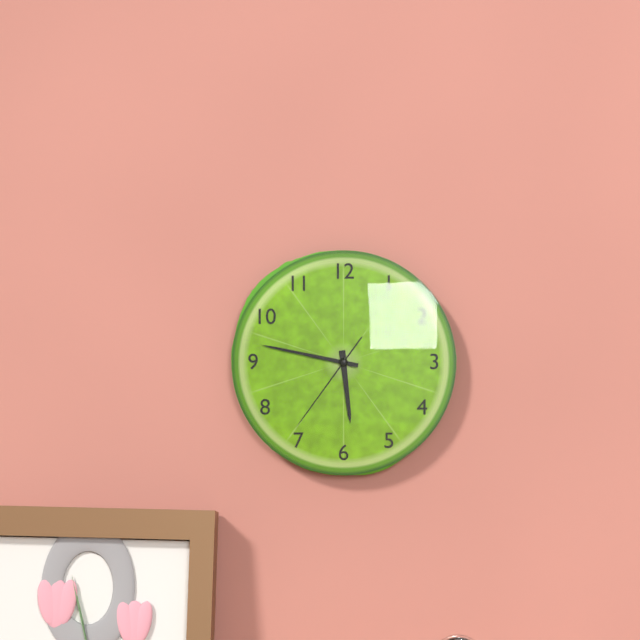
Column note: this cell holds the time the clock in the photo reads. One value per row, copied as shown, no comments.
5:47:36
